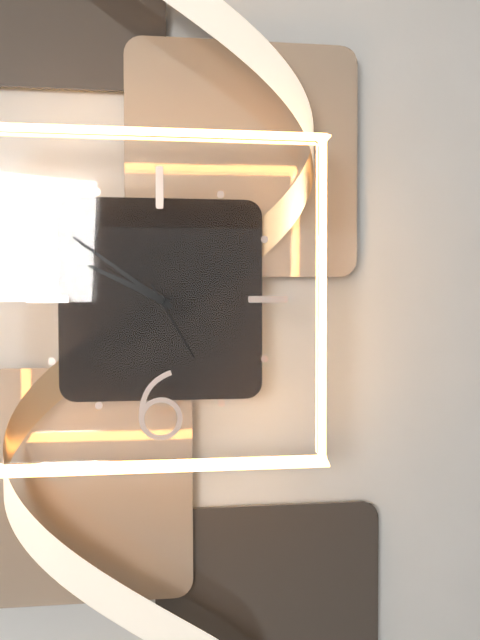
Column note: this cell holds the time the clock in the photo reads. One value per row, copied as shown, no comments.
9:51:25
